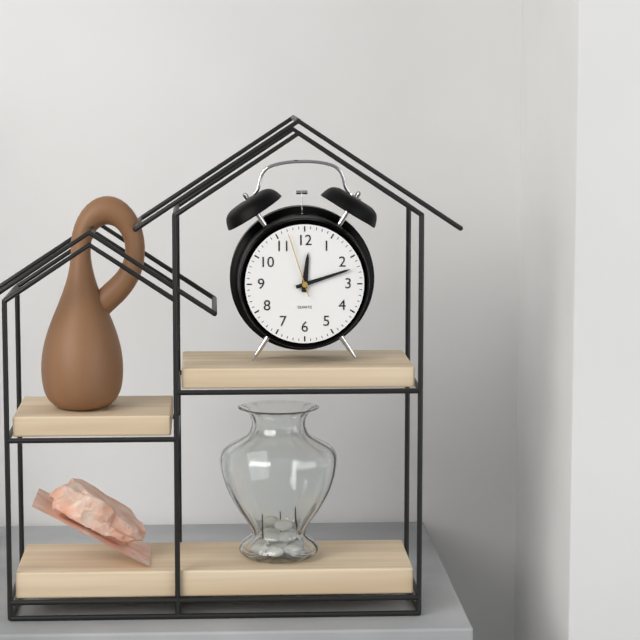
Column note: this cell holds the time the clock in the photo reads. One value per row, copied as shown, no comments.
12:12:57
